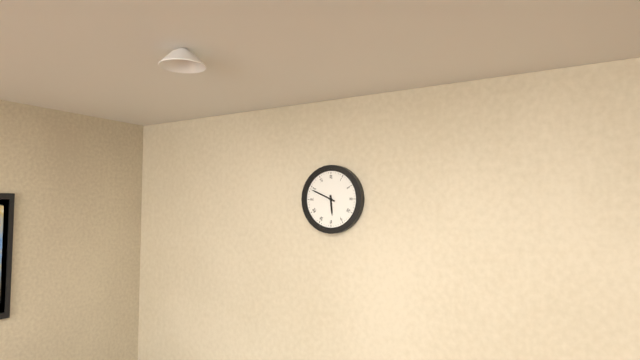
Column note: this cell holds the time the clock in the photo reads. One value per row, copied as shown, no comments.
5:49
